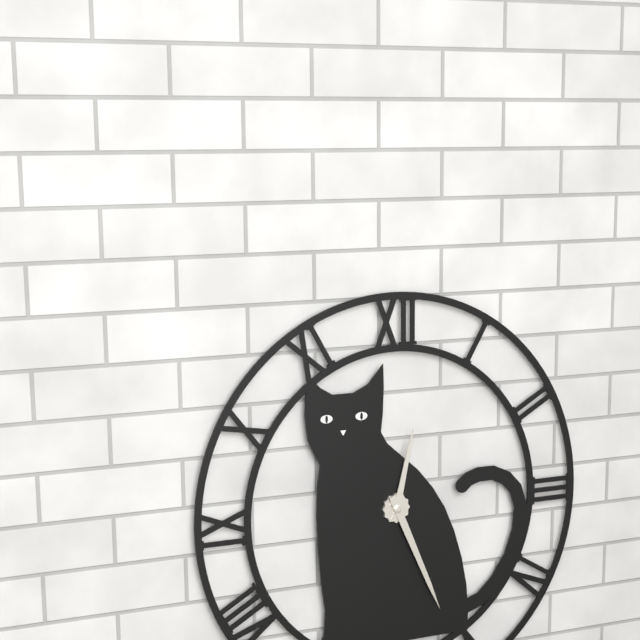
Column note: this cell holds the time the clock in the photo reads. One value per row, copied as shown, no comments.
12:26
